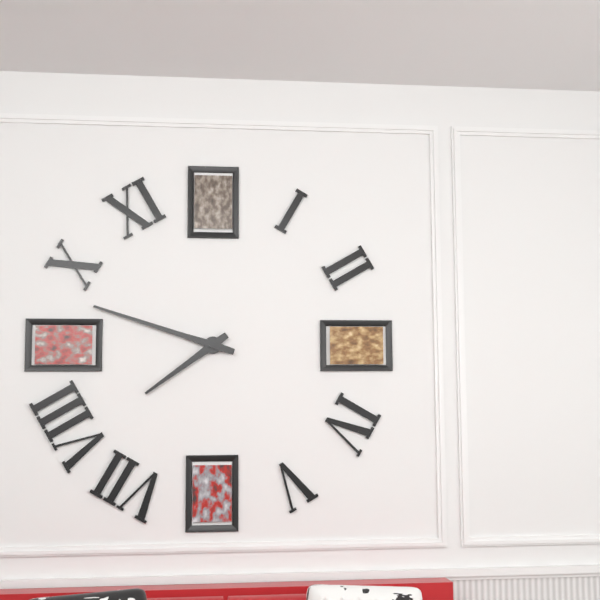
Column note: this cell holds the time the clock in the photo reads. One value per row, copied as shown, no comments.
7:48
